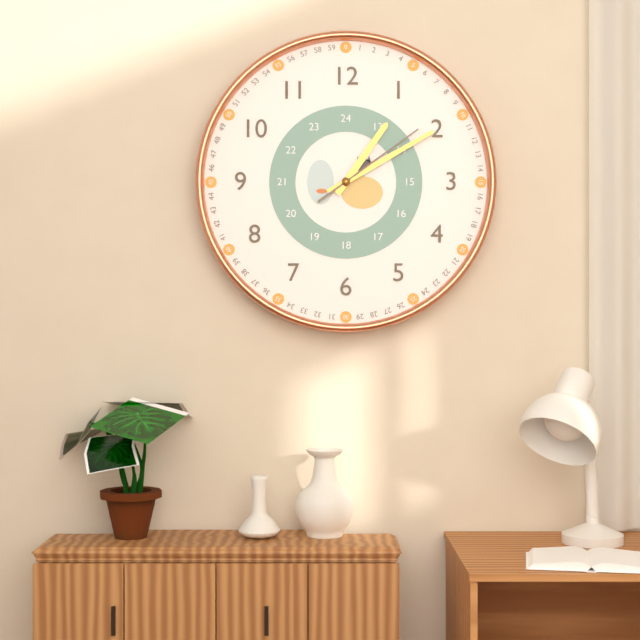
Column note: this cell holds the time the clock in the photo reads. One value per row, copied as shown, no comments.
1:10:09
